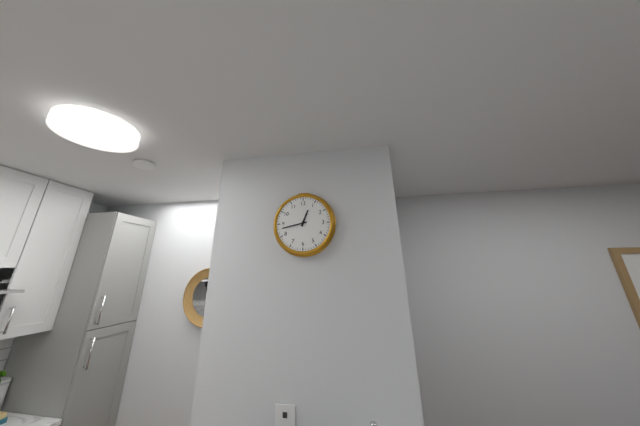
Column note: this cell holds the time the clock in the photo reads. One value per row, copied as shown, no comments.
12:43
